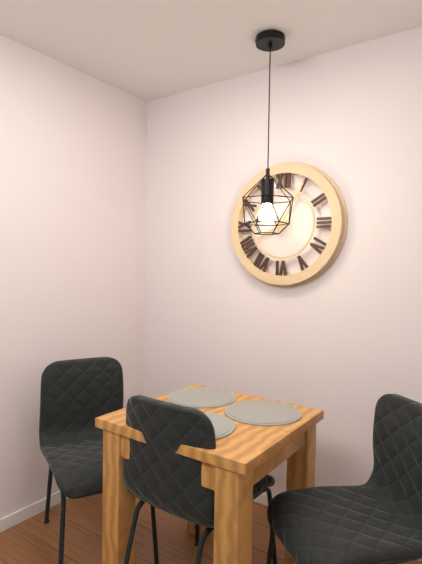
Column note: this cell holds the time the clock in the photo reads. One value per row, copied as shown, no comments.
8:05
